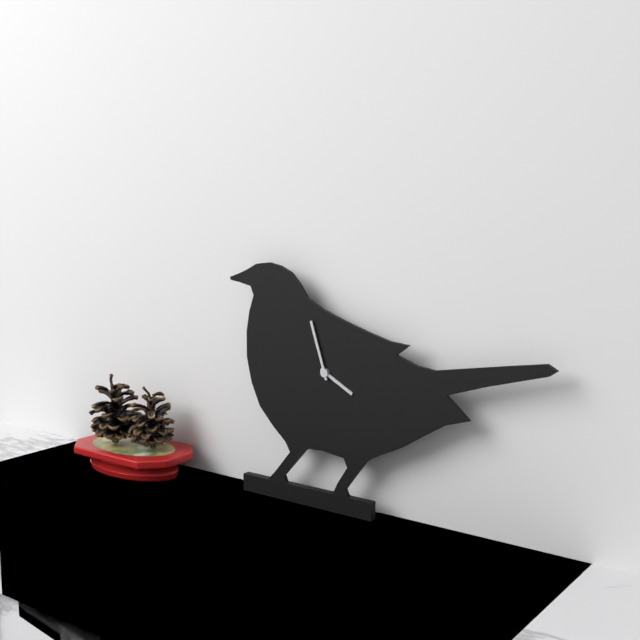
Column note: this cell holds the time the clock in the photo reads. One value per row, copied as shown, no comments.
3:57
